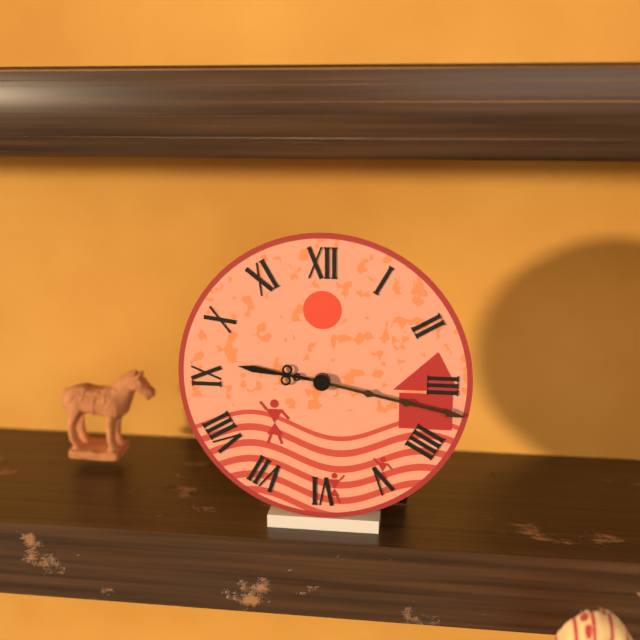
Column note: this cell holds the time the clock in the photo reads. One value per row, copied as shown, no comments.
9:17
